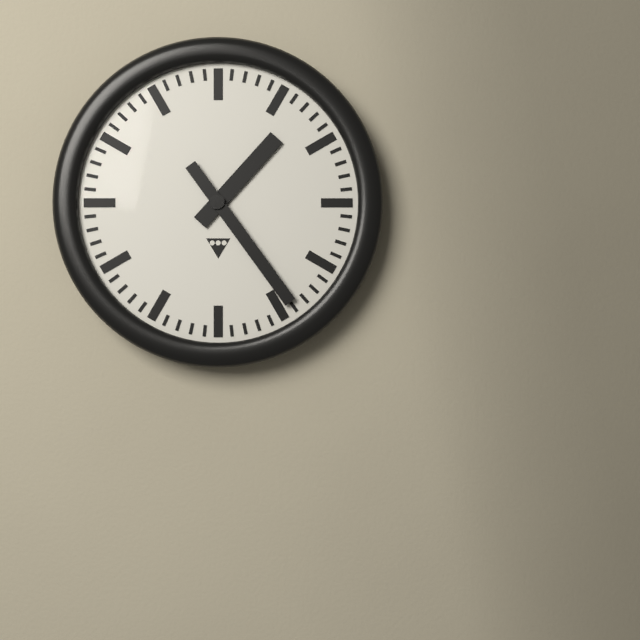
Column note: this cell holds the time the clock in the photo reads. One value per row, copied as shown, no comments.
1:24
